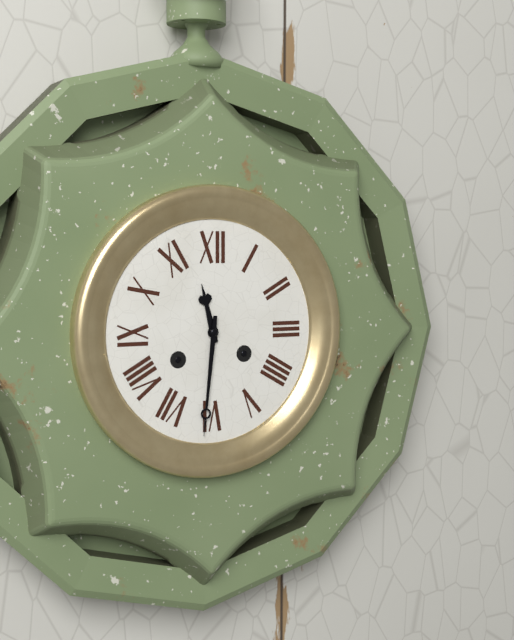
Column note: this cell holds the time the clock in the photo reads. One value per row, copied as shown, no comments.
11:31
